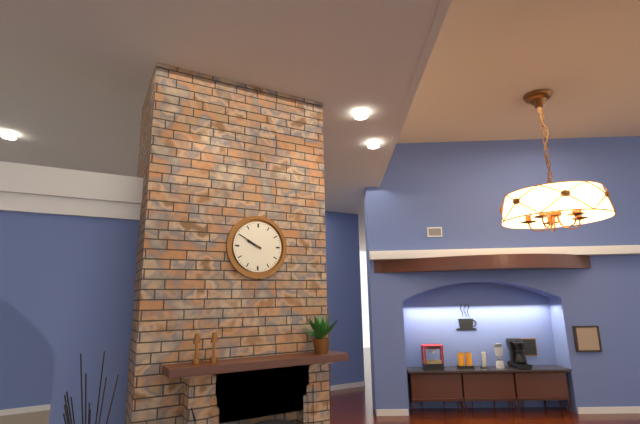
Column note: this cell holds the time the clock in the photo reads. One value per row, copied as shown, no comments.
9:50
